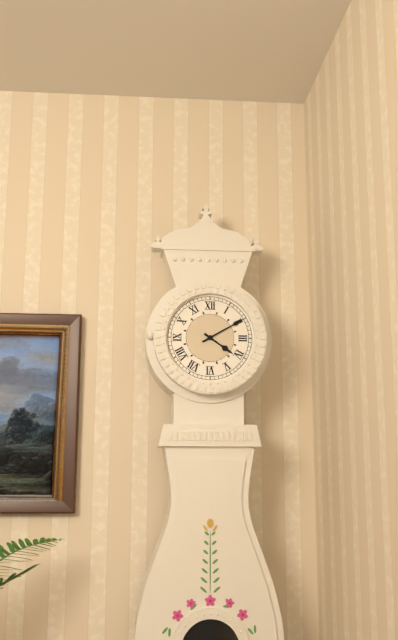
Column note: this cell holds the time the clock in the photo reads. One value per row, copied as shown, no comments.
4:10
